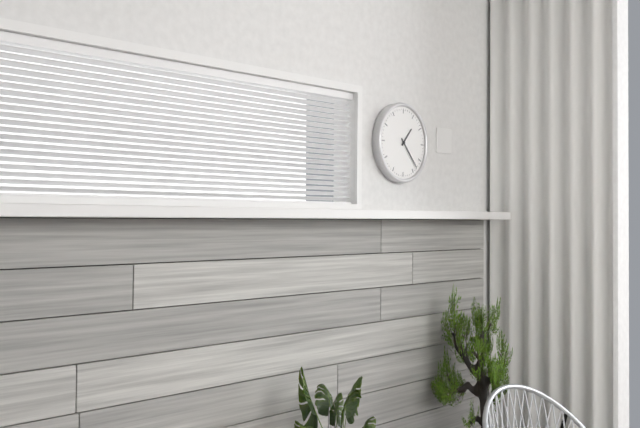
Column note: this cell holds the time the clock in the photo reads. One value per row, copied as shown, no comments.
1:23
